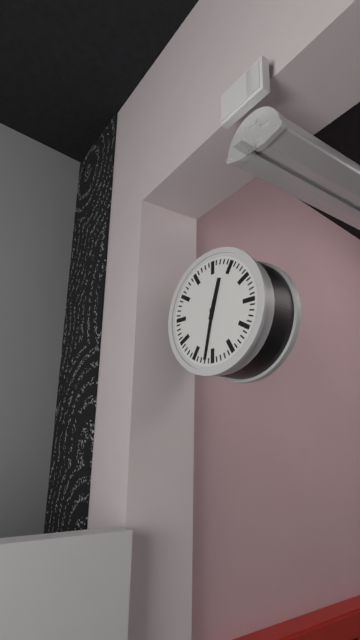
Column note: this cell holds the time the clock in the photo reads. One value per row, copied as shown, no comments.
12:32
